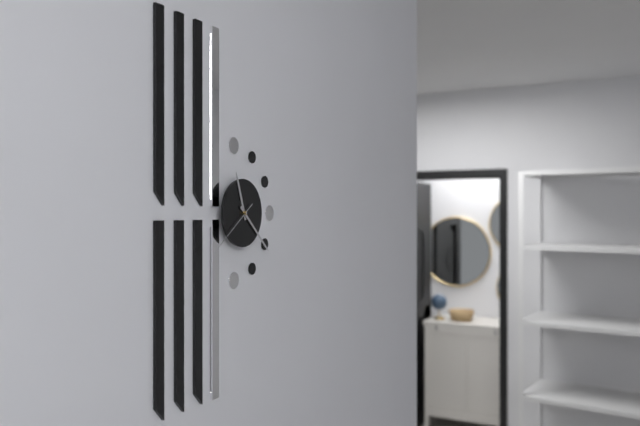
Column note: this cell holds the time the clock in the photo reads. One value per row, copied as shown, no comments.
11:22:39
